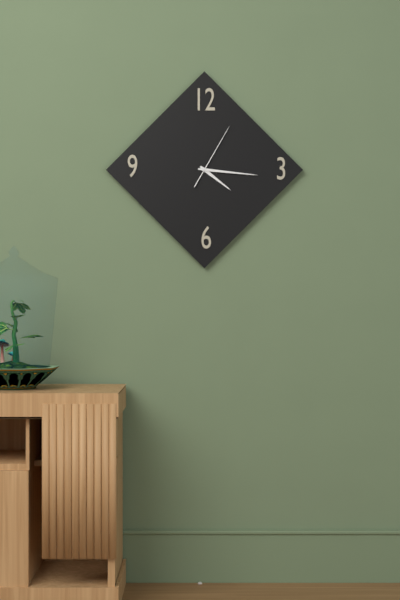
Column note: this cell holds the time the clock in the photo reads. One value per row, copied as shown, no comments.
4:16:05
